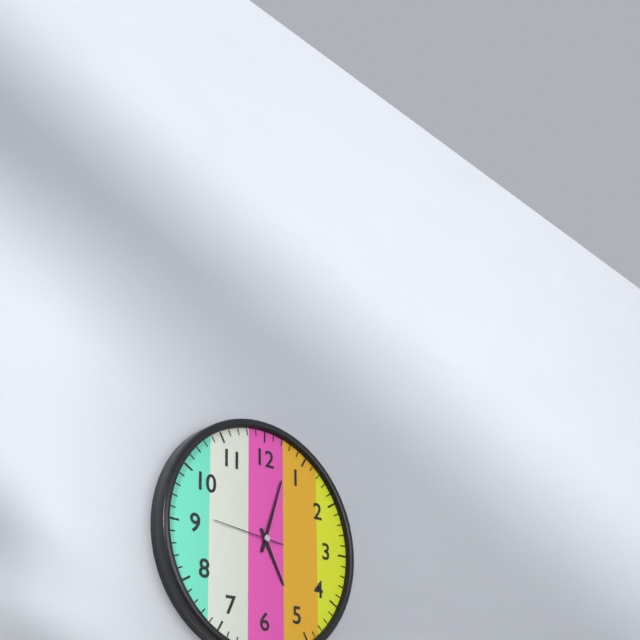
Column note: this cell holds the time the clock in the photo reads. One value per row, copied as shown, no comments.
5:03:46
